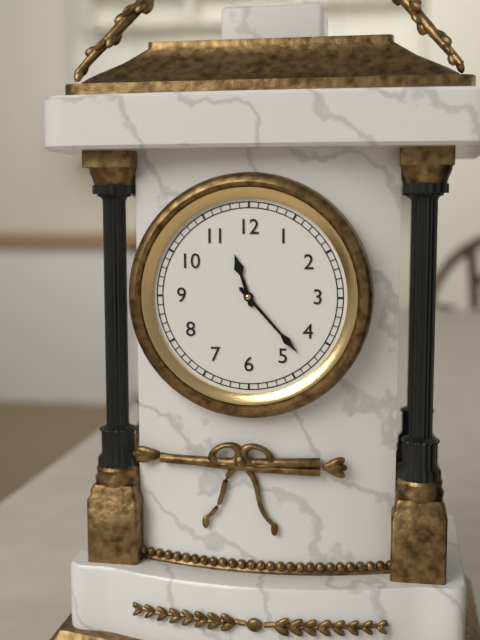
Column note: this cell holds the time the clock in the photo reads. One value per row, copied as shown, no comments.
11:23
